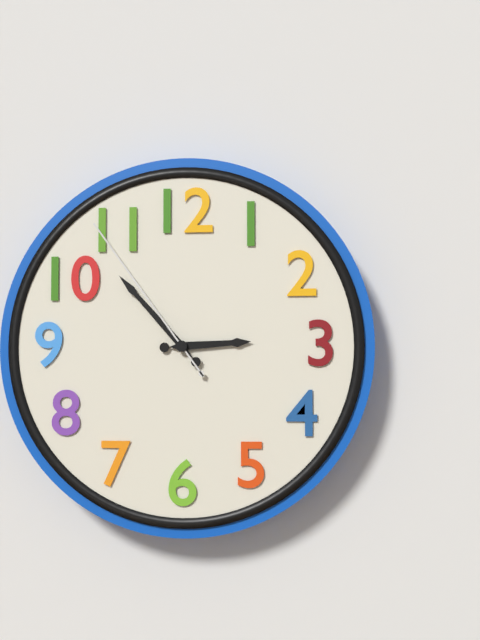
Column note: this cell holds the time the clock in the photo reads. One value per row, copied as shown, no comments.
2:53:54
